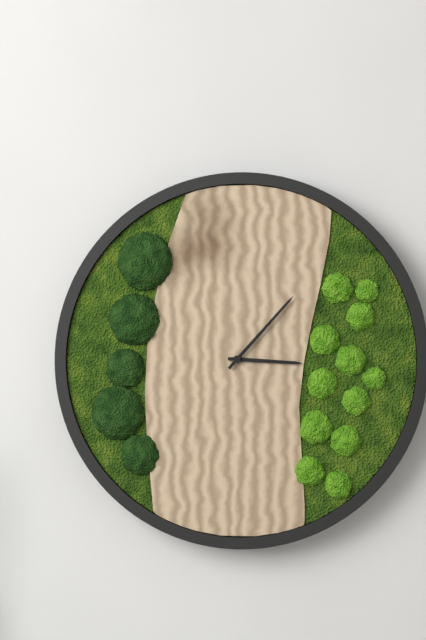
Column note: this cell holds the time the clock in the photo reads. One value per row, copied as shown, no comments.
3:07
